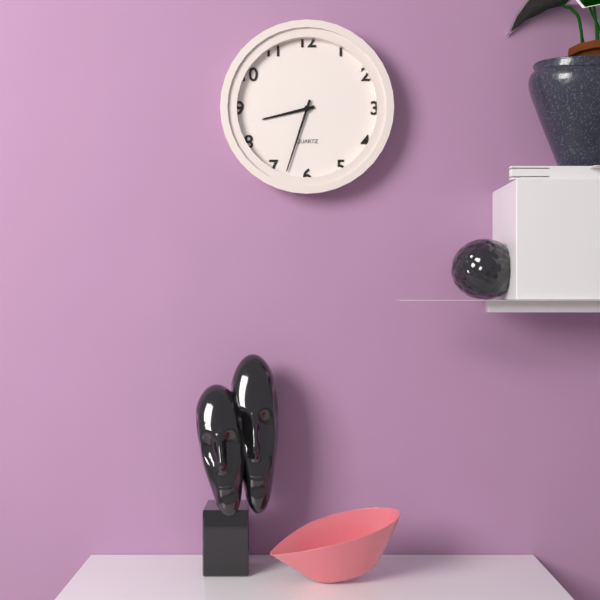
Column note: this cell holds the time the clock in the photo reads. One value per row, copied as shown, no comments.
8:33
